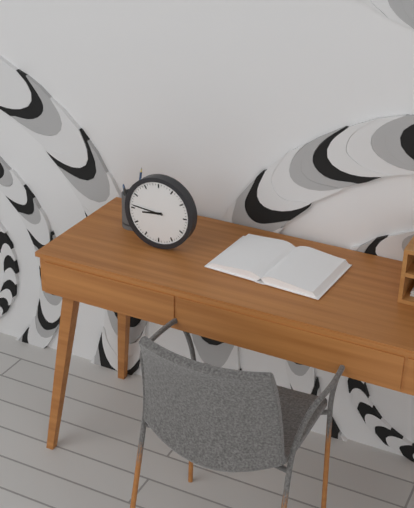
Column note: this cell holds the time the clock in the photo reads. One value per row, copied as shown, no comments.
8:46
